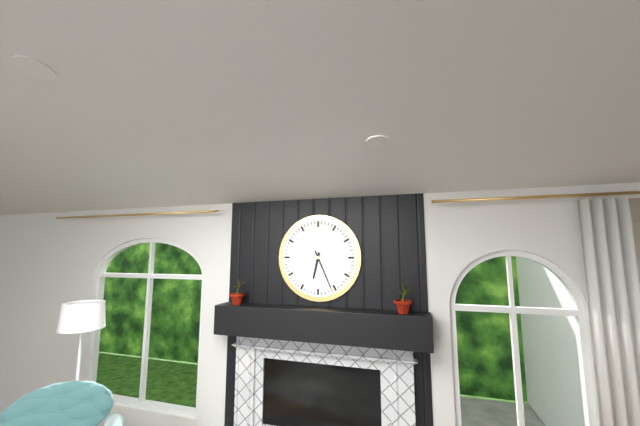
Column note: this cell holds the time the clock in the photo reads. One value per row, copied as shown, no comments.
6:26
